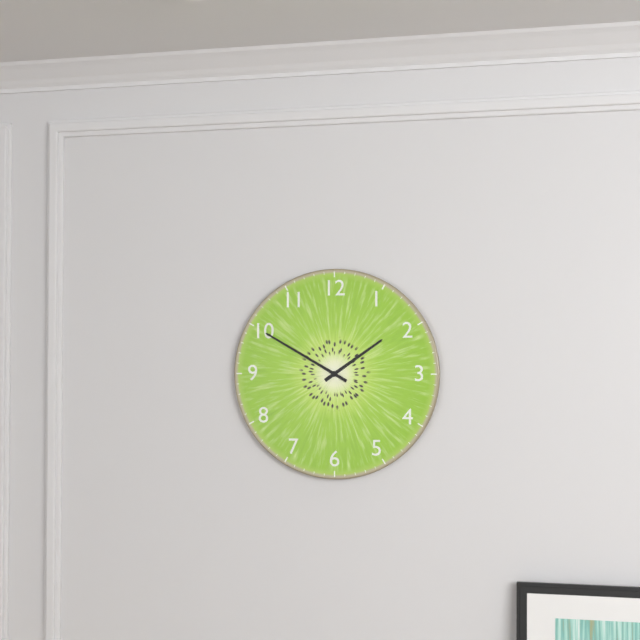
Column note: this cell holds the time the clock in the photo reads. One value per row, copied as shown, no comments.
1:50
